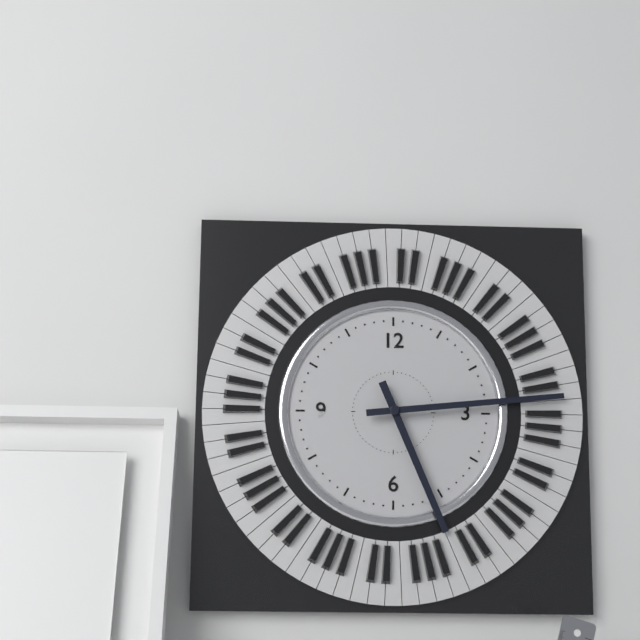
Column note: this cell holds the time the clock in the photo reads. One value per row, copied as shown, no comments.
5:14
